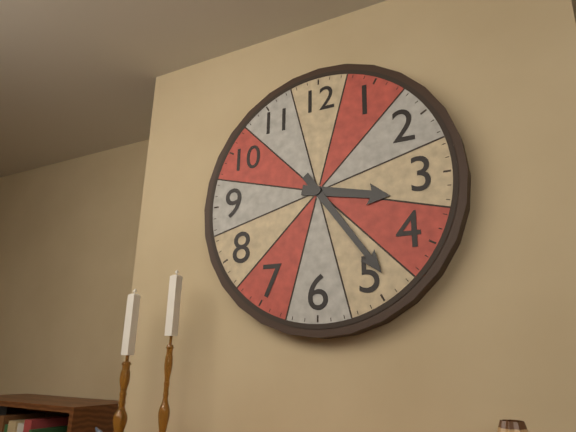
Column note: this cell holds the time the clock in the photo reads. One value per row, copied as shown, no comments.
3:24
